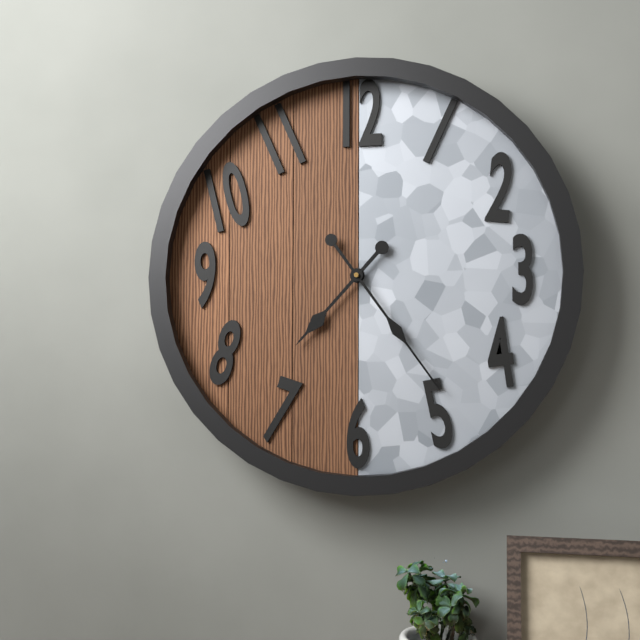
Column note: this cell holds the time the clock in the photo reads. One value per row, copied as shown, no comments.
7:24
